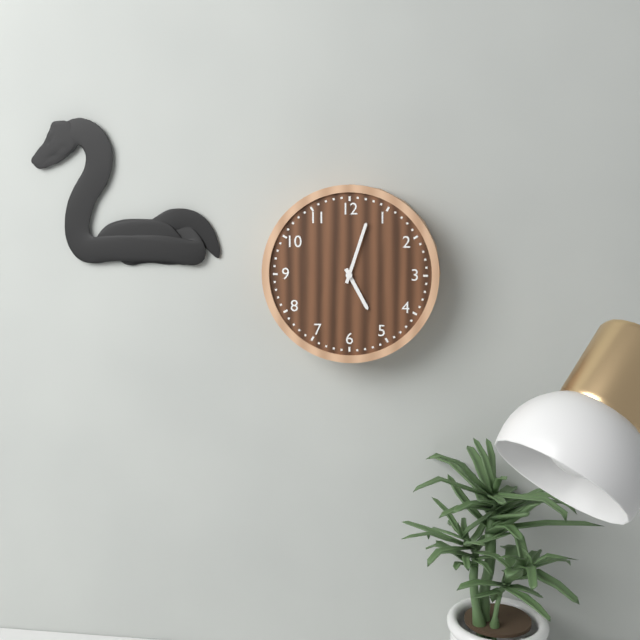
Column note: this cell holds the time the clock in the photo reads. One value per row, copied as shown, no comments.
5:03
